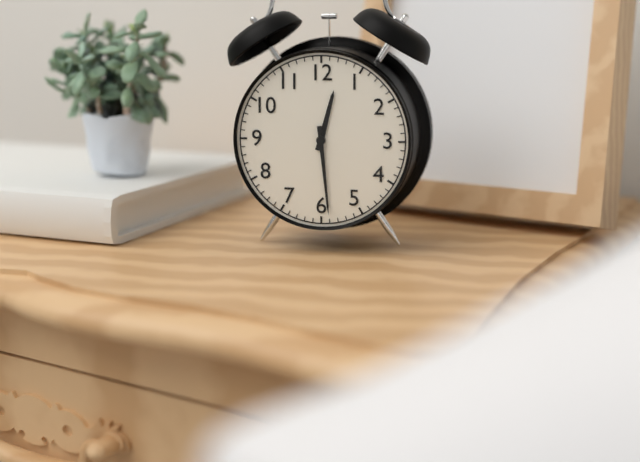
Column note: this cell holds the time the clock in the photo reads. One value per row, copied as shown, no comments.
12:29
